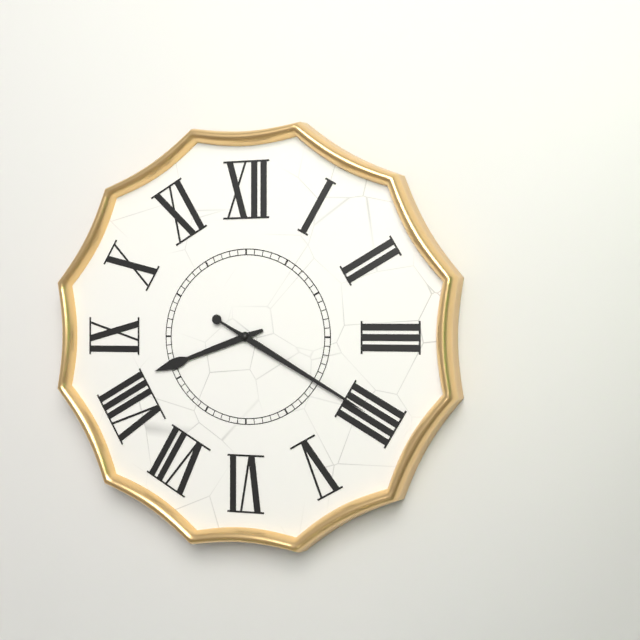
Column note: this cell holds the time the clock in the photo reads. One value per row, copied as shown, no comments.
8:20
